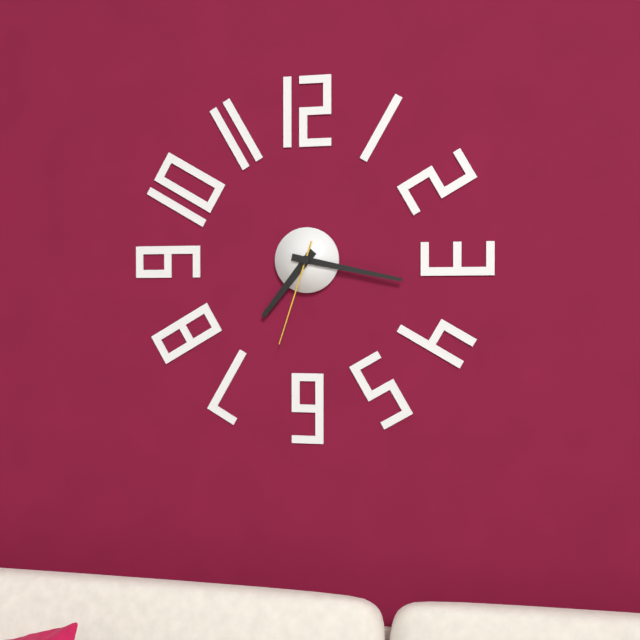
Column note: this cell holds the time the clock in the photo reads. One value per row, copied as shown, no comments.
7:17:33
